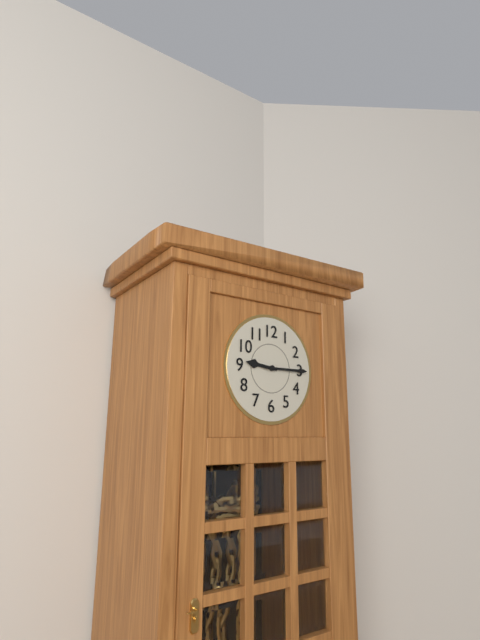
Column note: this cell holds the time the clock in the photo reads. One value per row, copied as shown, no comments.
9:15
